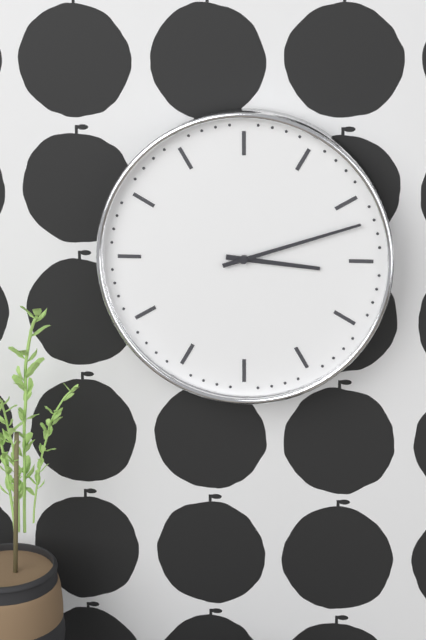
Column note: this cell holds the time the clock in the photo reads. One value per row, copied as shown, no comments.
3:12
